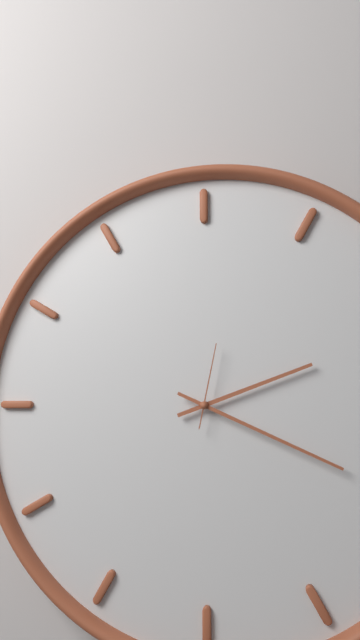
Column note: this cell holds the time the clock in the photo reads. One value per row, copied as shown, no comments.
2:19:02
